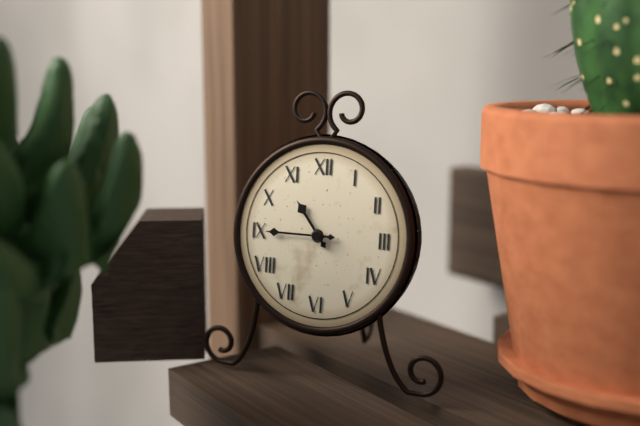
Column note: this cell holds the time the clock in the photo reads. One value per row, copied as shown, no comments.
10:45
